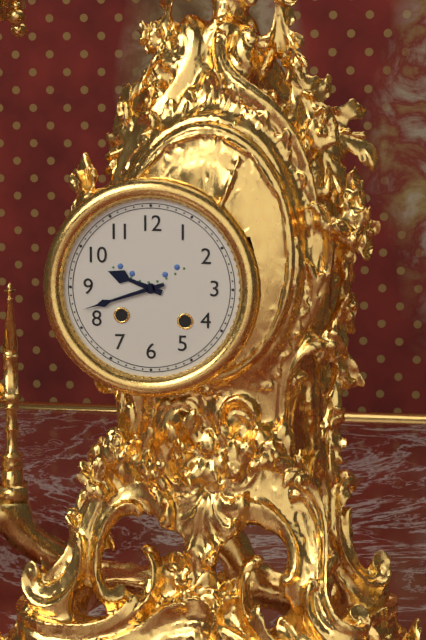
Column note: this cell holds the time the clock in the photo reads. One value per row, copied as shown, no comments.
9:42
